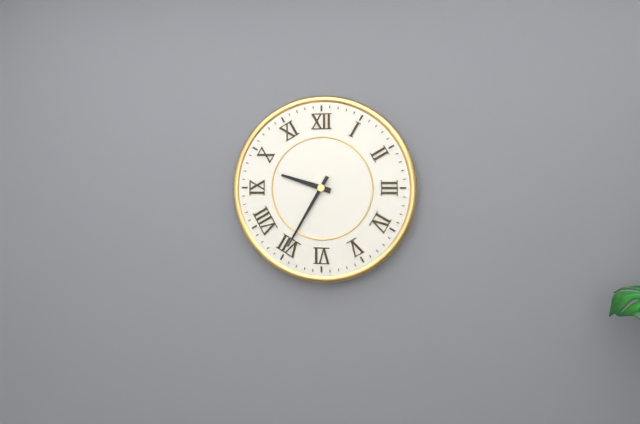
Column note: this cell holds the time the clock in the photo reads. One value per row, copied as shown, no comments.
9:35
